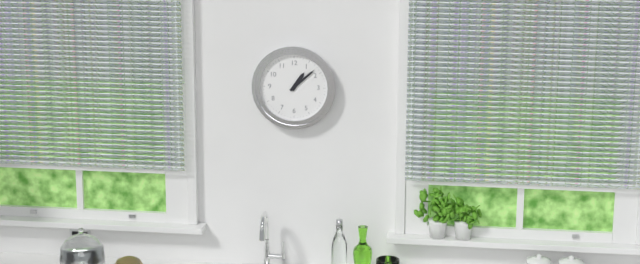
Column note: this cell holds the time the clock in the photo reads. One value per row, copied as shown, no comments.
1:08
